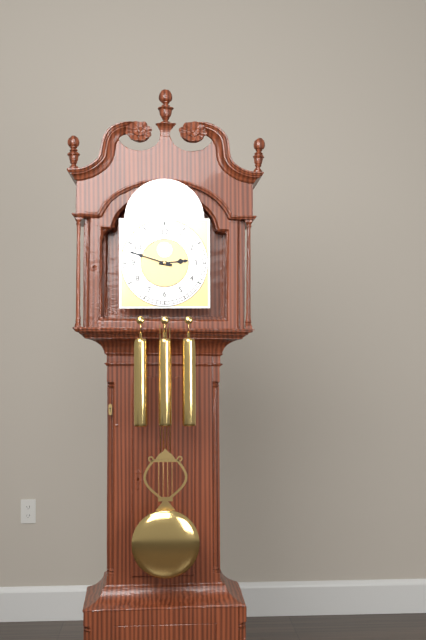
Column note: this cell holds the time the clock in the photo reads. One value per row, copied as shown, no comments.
2:48
